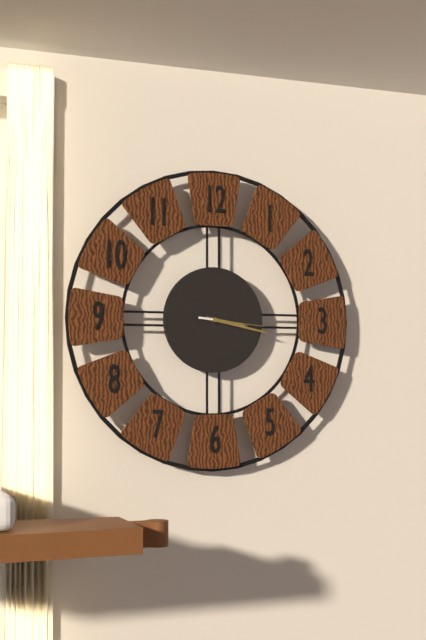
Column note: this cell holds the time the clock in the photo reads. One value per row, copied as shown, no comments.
3:17:16
